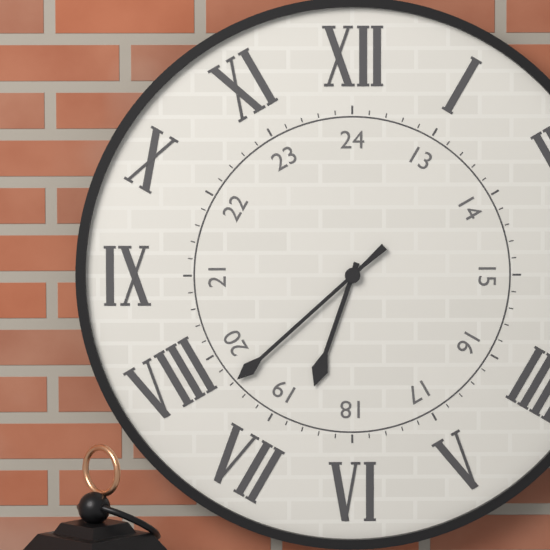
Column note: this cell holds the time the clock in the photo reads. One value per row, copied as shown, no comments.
6:38
